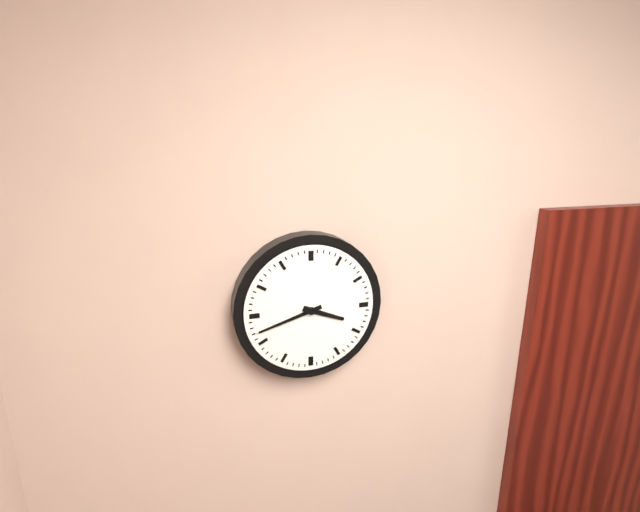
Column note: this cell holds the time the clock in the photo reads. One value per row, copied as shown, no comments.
3:42
